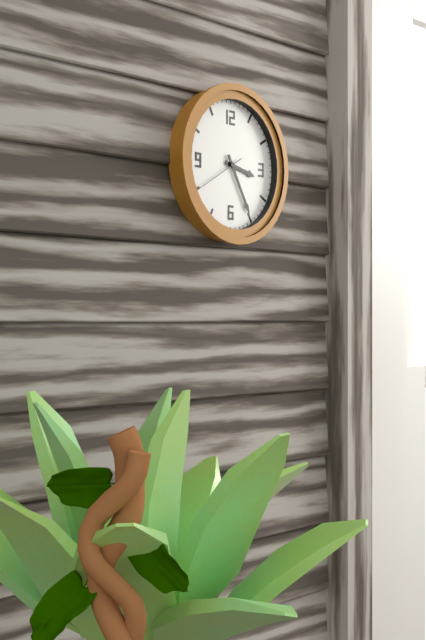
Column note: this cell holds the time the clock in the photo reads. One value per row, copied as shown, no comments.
3:25:40
